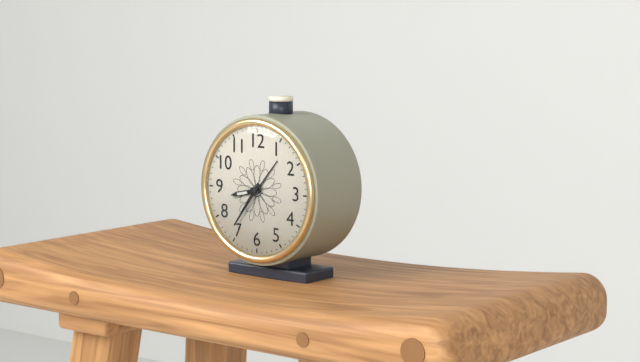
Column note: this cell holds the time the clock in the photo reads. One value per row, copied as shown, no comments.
8:36
